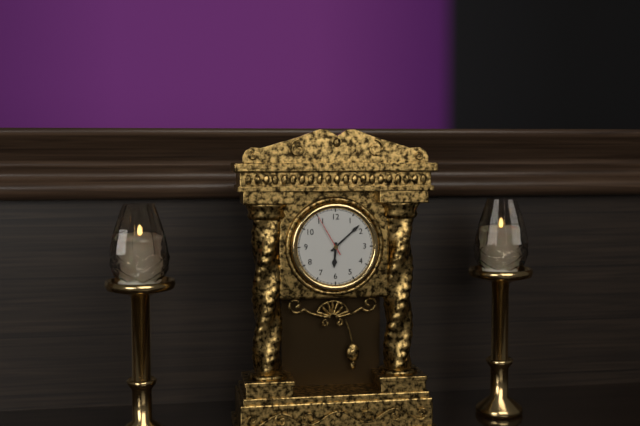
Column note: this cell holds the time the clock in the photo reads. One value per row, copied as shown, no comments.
6:08
